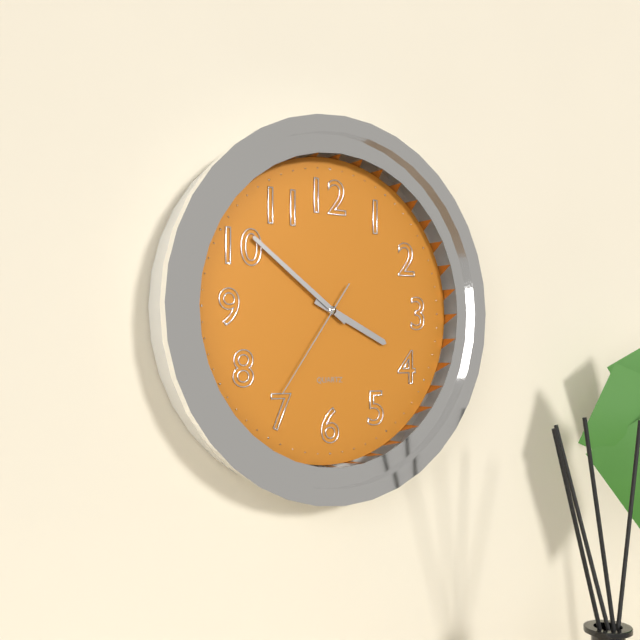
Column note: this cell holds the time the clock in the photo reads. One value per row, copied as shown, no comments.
3:51:36
